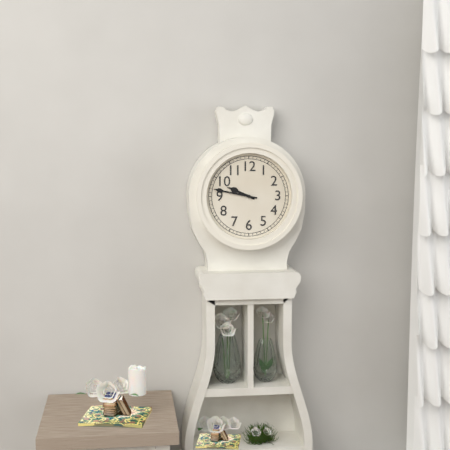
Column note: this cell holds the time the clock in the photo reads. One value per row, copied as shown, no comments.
9:47
